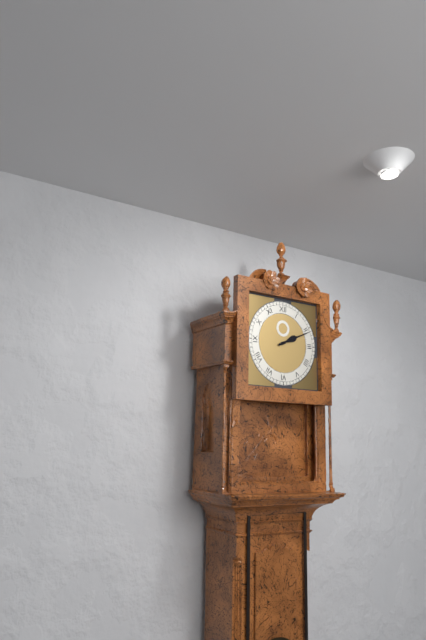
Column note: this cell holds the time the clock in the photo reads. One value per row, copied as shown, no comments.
2:11
